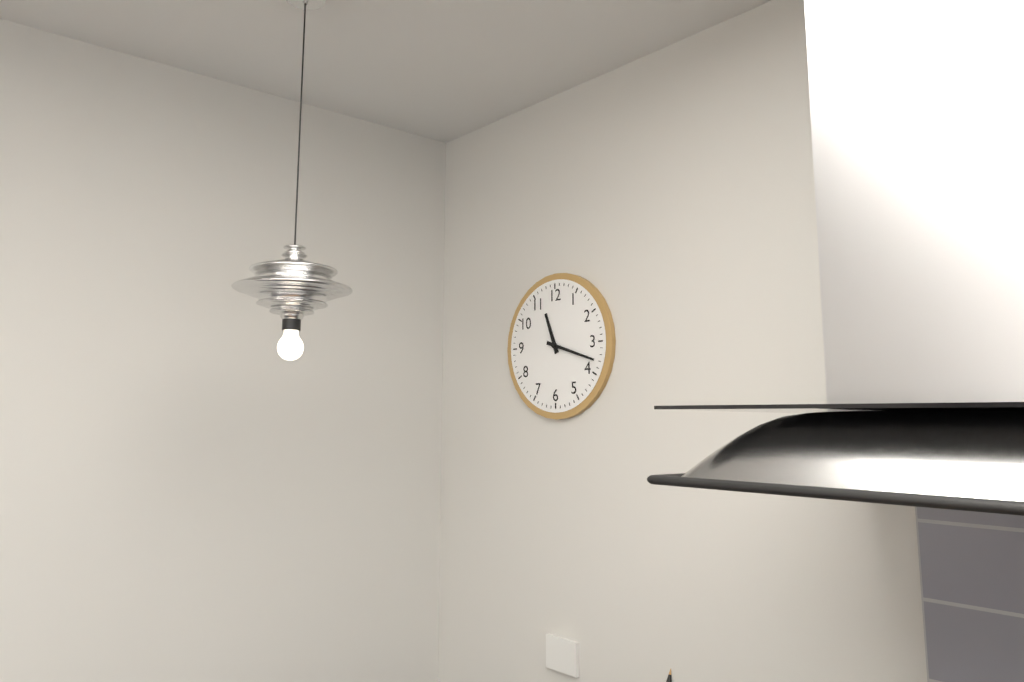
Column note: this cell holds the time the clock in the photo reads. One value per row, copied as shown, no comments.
11:18
